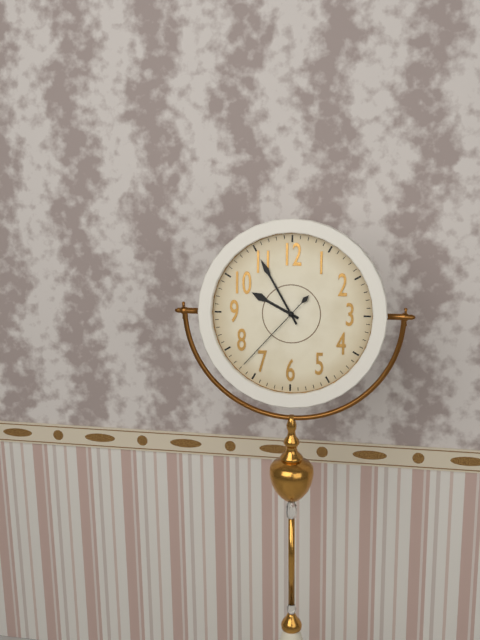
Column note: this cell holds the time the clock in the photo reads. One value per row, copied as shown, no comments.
9:55:37
